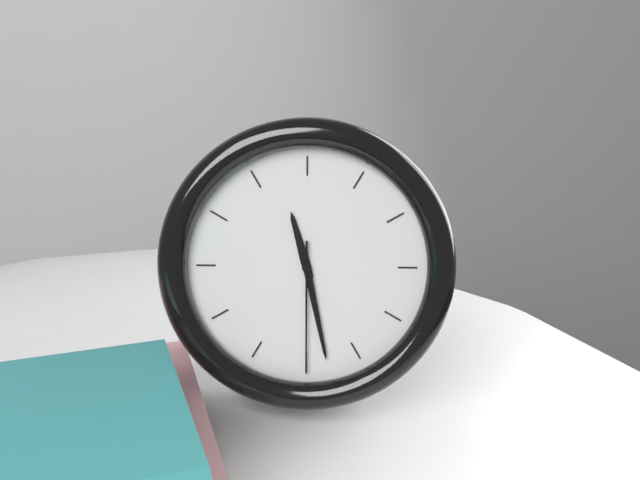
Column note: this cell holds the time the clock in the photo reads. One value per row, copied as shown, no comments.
11:28:30
